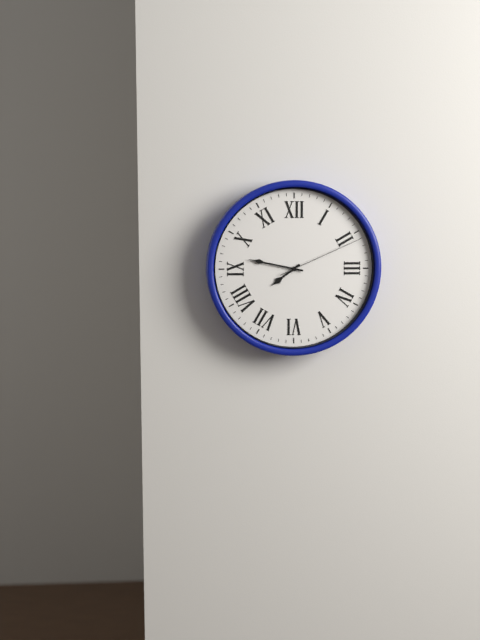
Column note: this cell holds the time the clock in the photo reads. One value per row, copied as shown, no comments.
7:47:11
